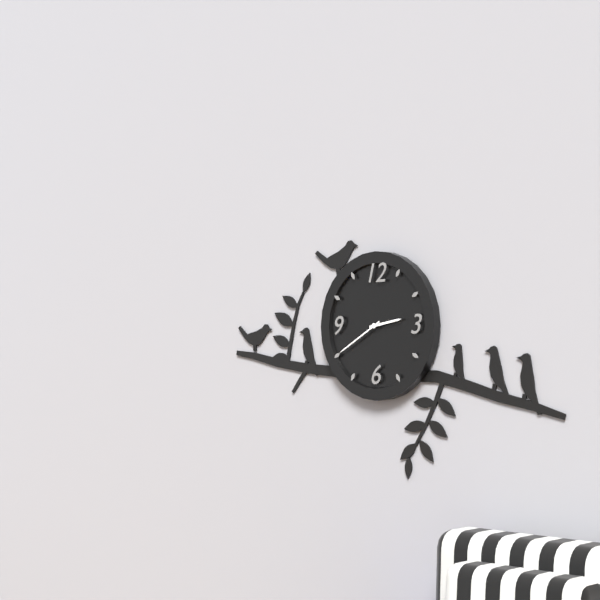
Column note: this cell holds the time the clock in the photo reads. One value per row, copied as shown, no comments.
2:40
